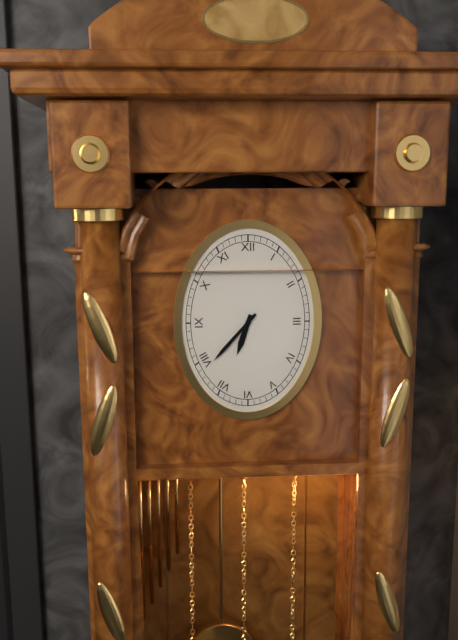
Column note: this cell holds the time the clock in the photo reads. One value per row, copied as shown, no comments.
6:37
